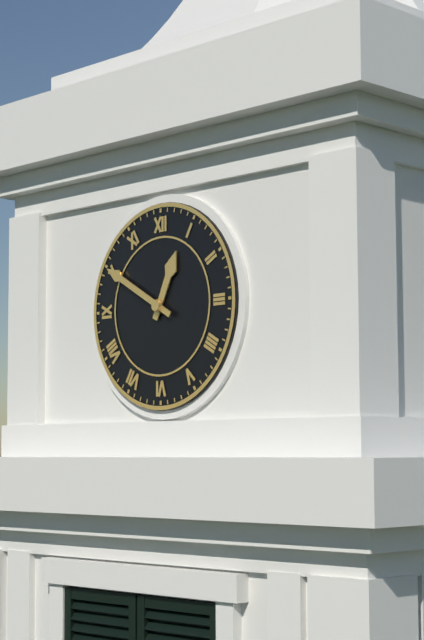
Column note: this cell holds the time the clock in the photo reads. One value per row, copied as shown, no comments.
12:50
